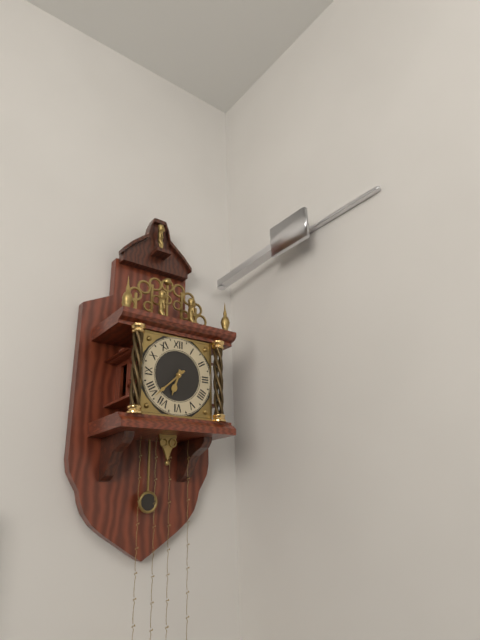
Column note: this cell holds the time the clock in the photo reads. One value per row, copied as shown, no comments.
6:38
